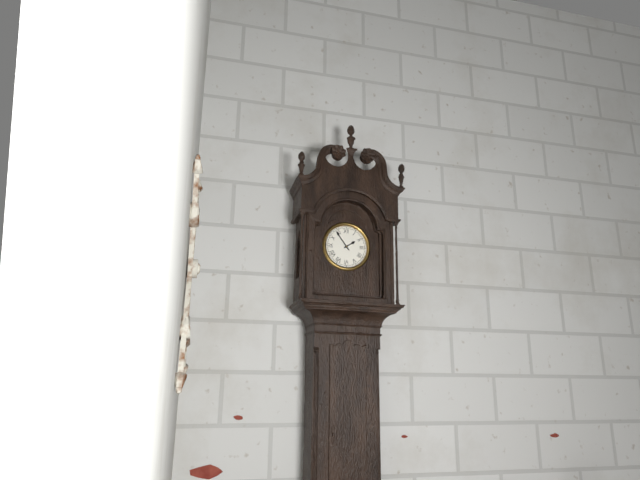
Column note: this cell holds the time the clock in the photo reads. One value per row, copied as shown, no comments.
1:54
